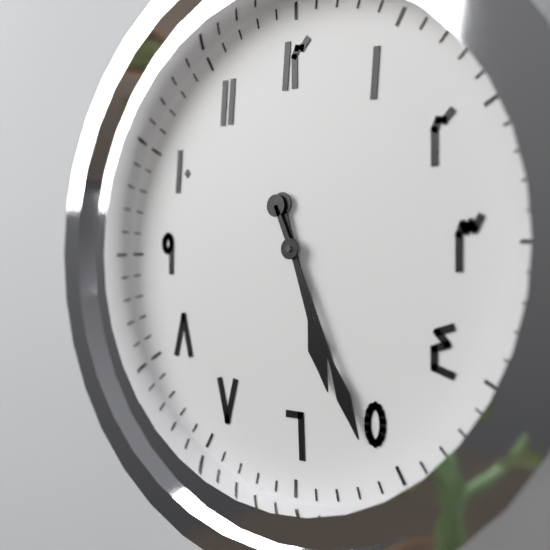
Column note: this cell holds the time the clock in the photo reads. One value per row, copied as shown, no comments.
5:26
